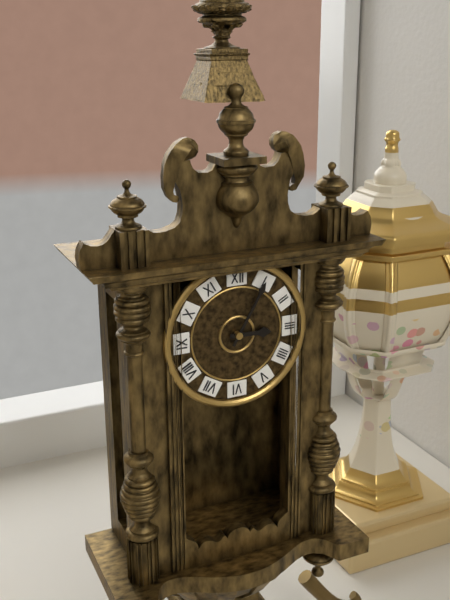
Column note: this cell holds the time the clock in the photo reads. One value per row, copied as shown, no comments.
3:05
